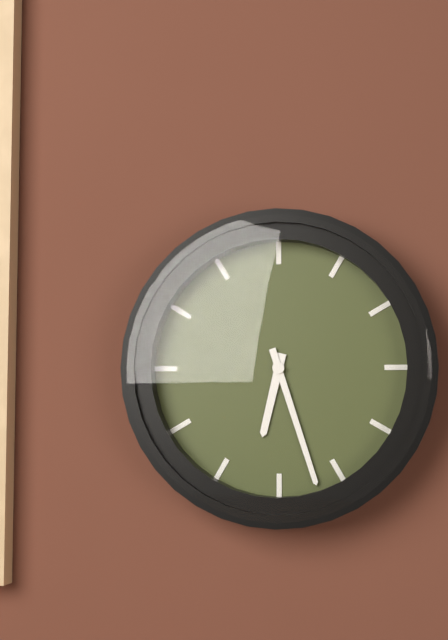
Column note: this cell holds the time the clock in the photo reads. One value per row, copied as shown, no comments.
6:27
